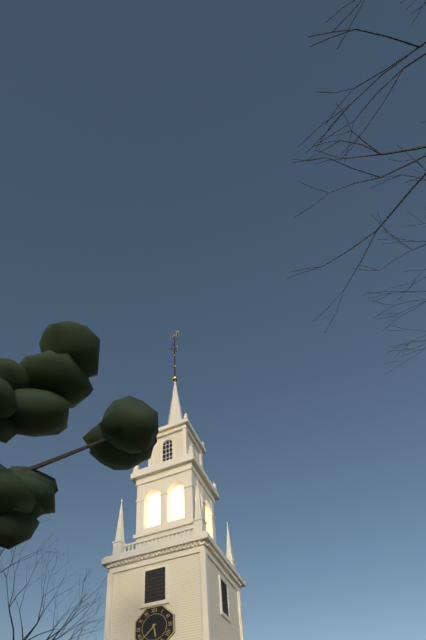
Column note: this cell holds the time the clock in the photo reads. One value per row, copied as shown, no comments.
5:38
